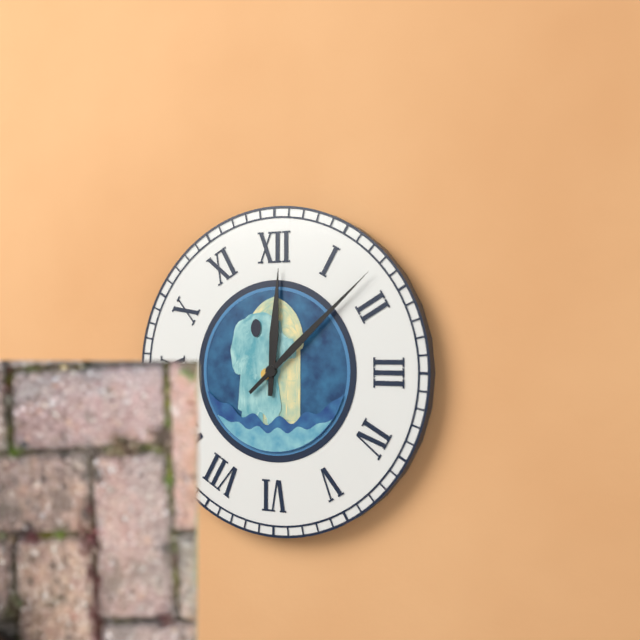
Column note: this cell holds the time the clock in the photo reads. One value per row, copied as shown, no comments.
12:08
